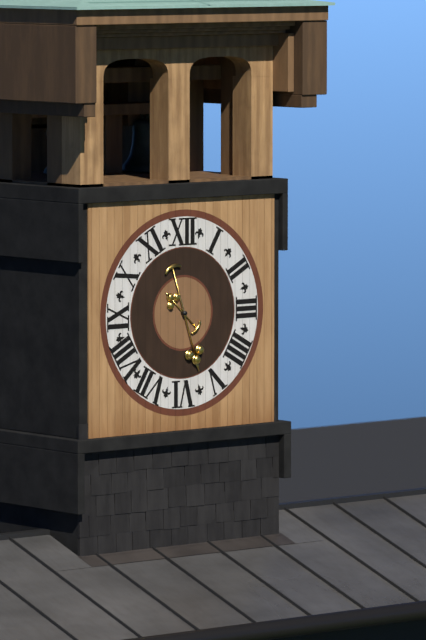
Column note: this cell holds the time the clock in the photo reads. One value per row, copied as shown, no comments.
10:27
